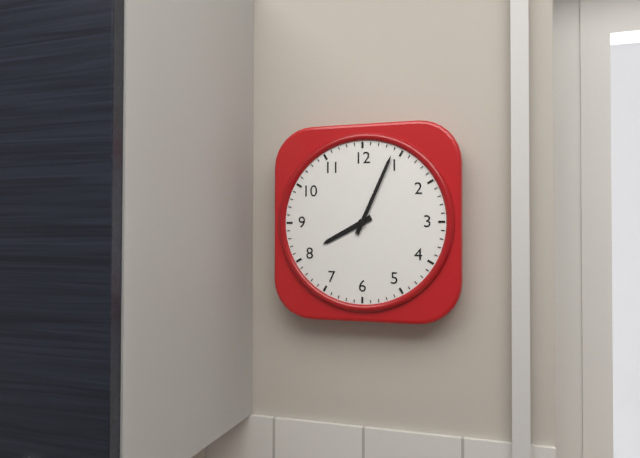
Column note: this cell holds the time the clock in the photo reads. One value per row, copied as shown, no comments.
8:04
